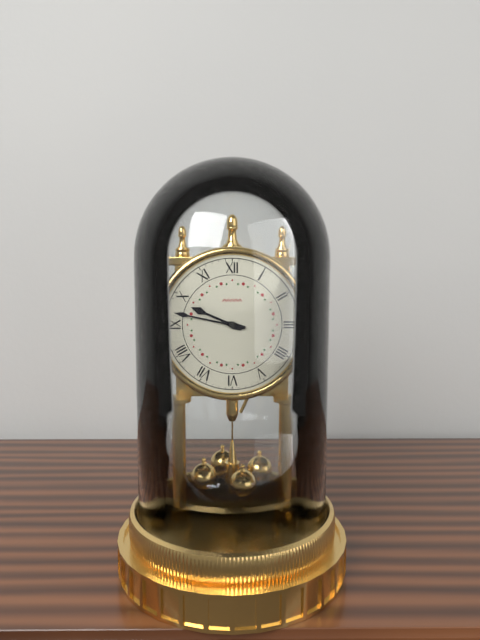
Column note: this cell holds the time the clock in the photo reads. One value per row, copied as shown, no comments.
9:47
